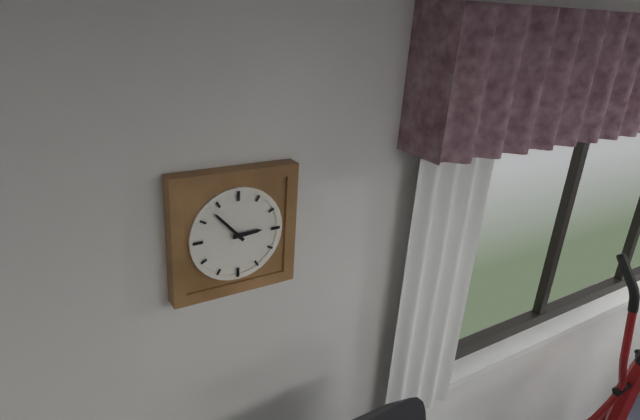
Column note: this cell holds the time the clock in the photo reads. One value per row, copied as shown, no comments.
2:53
